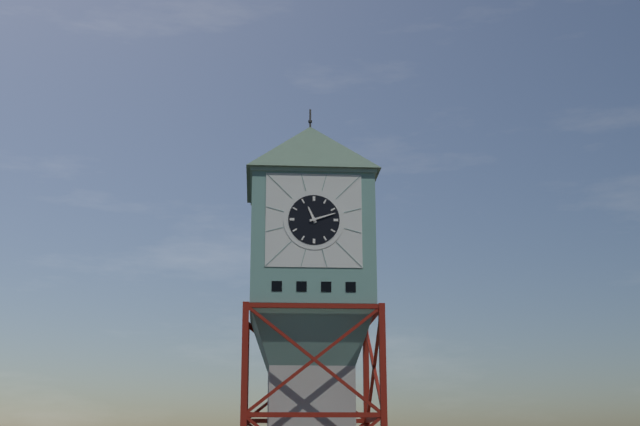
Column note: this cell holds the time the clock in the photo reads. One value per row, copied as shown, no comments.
11:12
